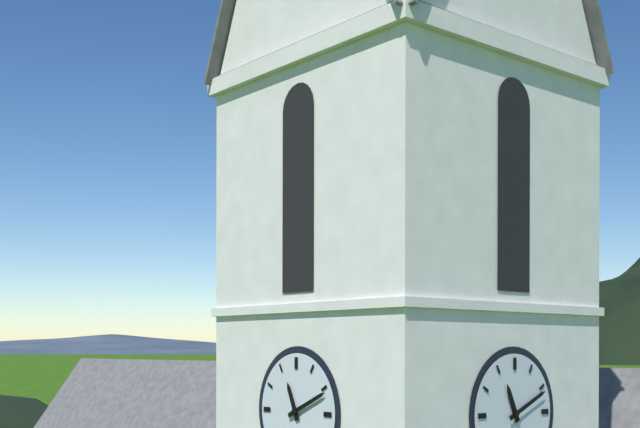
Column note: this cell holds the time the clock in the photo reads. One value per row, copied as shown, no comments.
11:11
